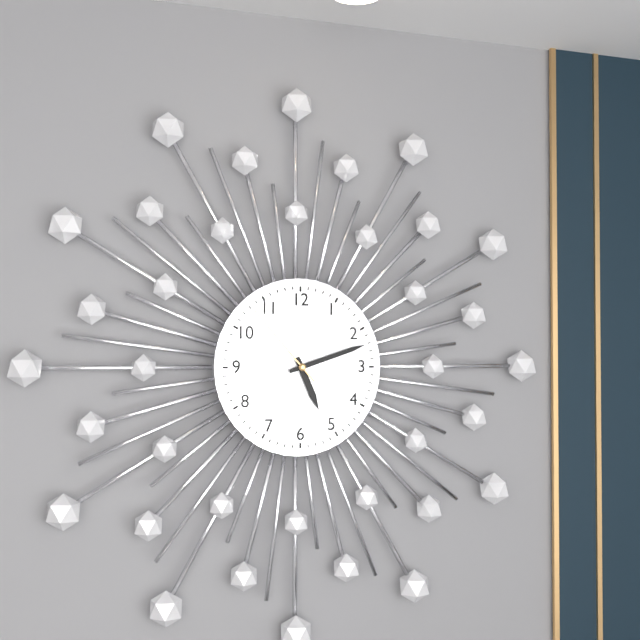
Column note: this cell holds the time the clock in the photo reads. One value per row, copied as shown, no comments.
5:12:53
